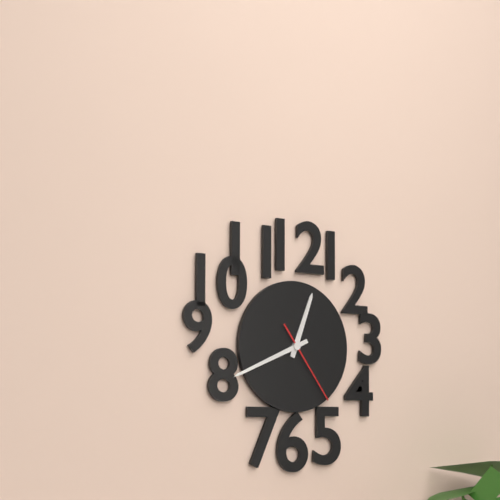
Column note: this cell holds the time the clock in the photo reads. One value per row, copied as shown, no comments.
12:41:24
